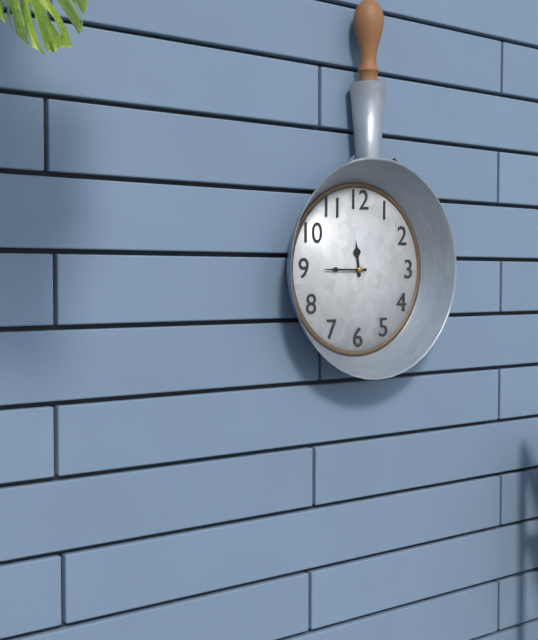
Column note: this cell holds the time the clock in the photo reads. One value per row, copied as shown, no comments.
11:45
